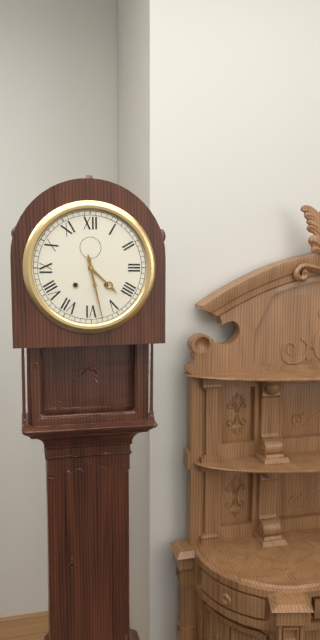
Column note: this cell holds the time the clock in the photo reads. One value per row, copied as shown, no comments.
4:28
